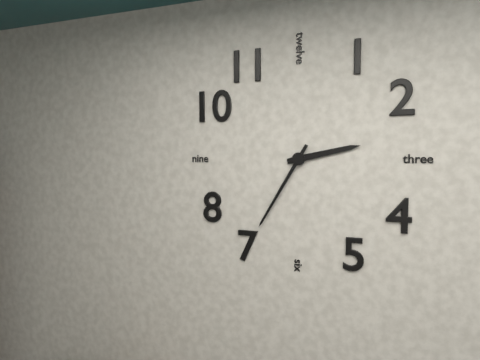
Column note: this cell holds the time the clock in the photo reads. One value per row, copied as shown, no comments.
2:35
